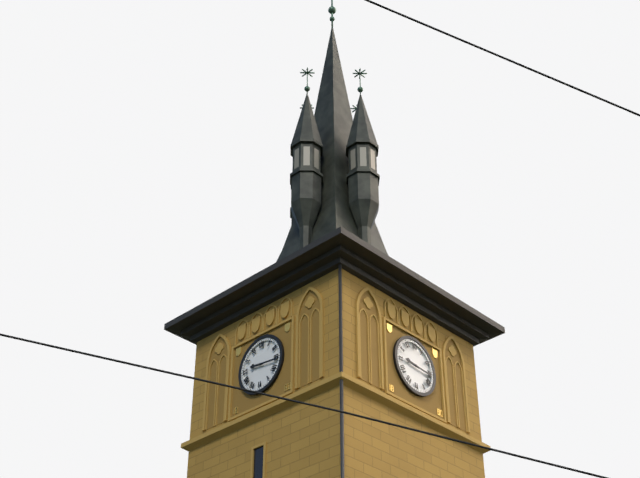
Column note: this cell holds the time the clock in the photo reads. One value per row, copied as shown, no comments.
9:16
